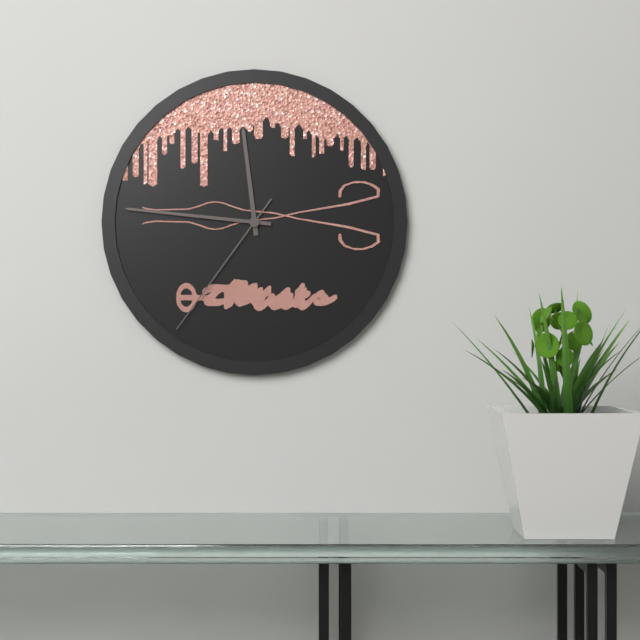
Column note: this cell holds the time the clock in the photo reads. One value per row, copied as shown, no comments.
11:46:36
